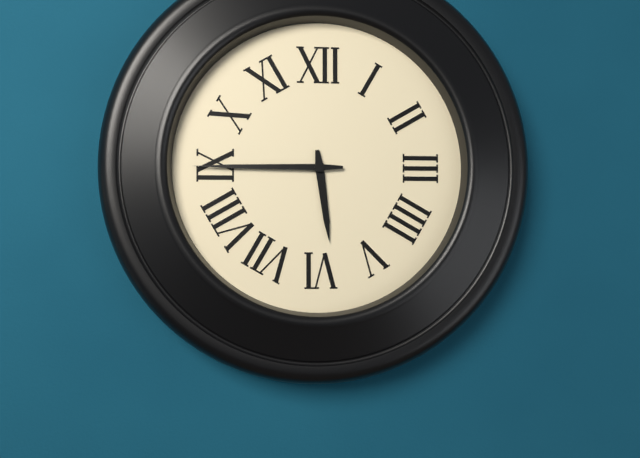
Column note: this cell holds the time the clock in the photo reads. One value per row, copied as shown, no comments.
5:45
